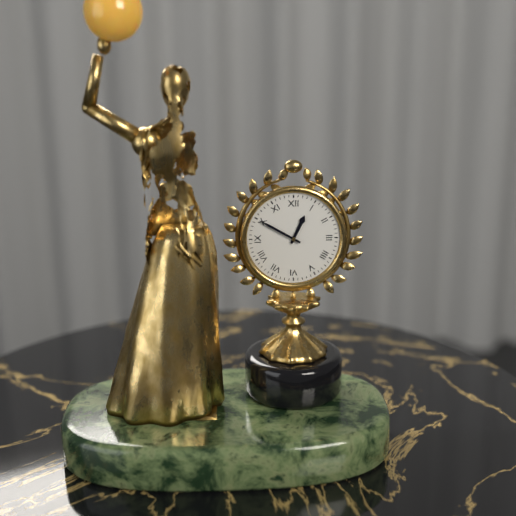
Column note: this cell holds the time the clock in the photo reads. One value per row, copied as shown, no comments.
12:50
